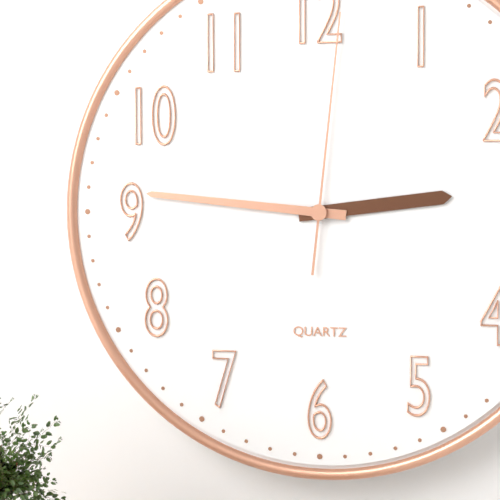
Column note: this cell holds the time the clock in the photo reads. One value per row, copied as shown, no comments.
2:46:01
